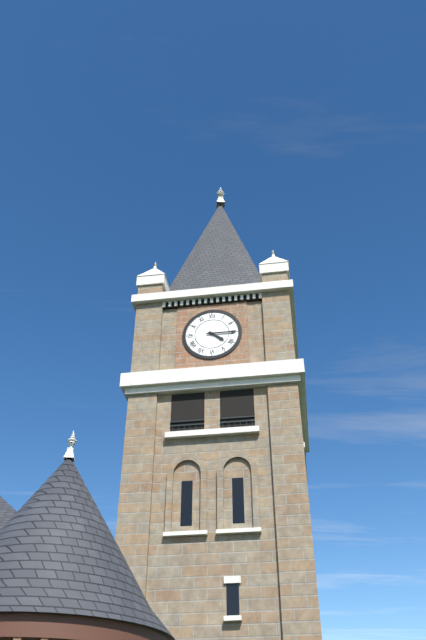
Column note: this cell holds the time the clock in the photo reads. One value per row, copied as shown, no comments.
4:15
